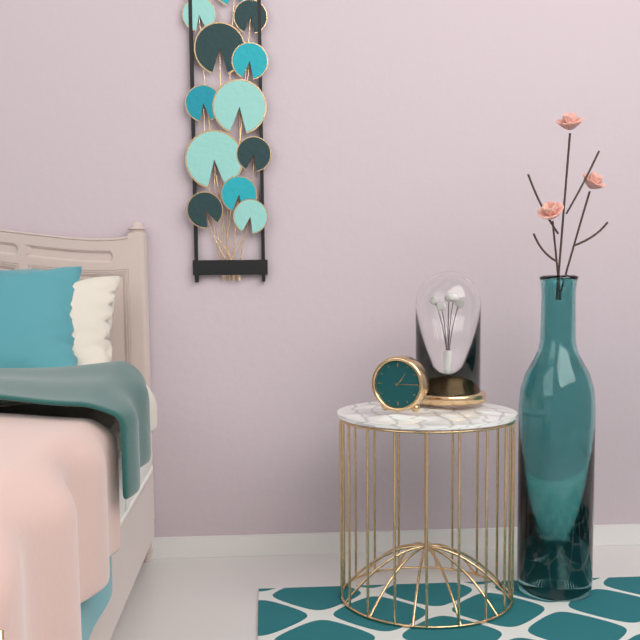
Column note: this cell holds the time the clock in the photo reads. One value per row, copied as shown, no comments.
1:15
